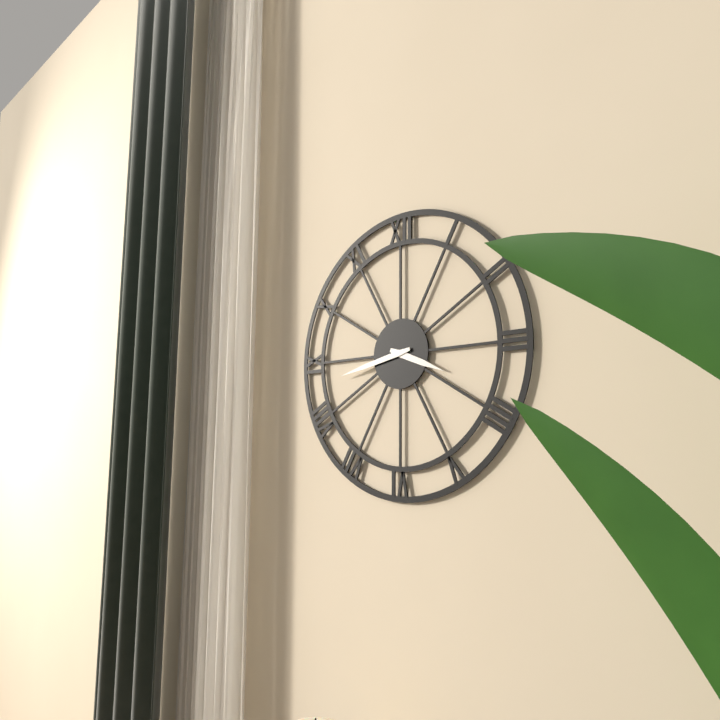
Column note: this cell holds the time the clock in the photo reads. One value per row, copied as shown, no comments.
3:43
